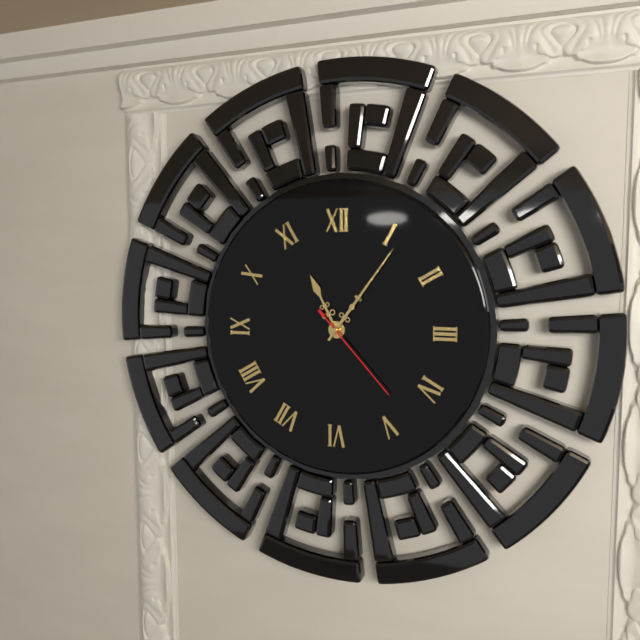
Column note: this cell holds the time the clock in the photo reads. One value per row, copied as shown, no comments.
11:06:23
